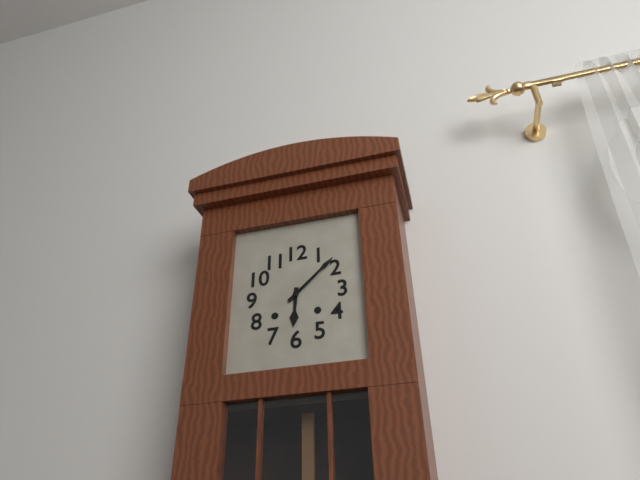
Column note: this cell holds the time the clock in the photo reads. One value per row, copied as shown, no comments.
6:08
